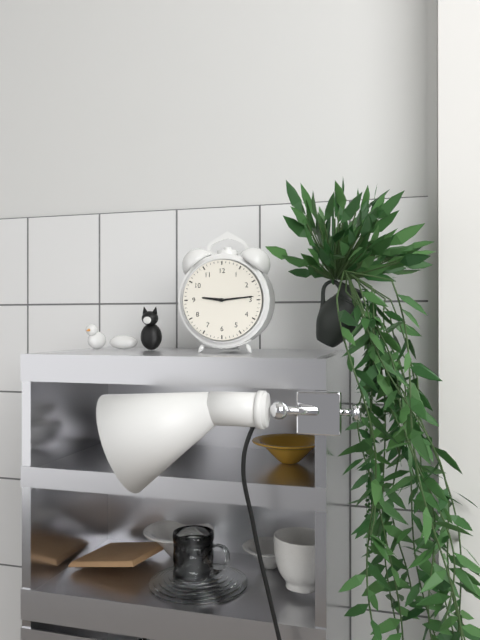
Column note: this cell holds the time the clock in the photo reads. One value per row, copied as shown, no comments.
9:14
